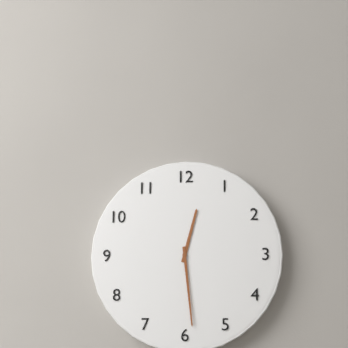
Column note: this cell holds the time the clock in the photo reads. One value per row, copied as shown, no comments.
12:29
